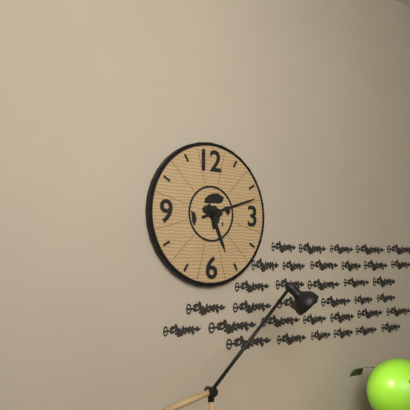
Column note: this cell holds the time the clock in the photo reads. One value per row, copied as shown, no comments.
5:12
